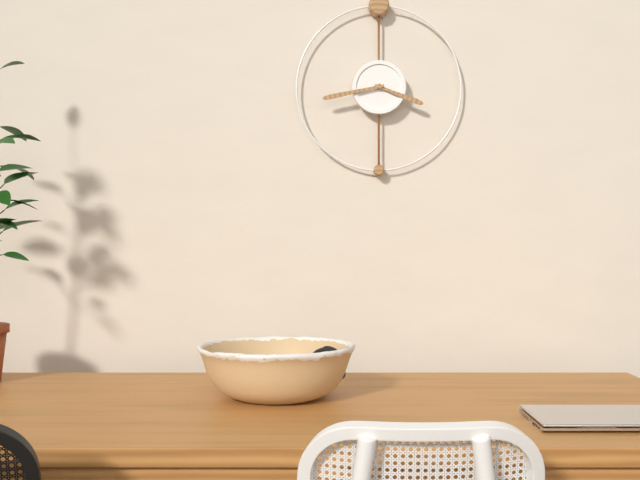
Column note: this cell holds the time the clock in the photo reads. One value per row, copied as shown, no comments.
3:43
